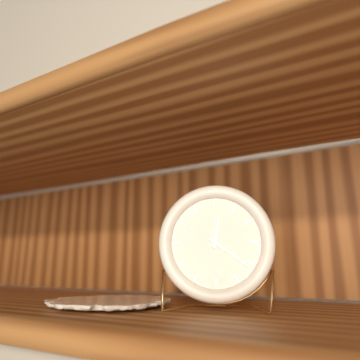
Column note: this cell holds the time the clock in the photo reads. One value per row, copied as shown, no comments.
12:21
